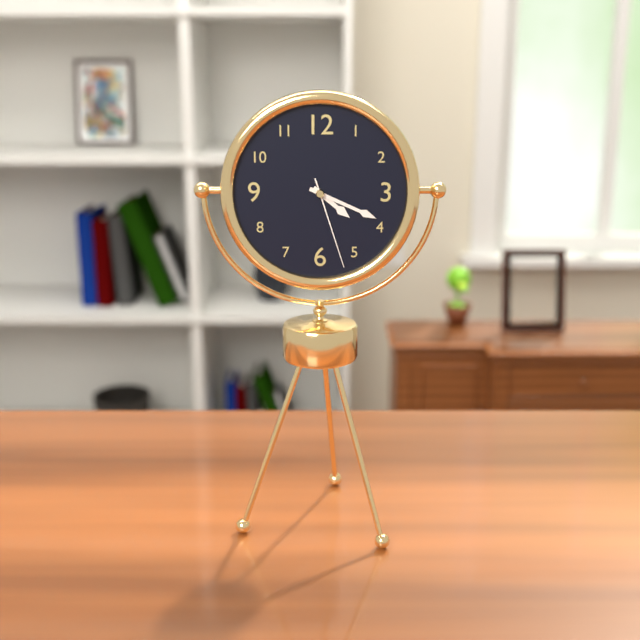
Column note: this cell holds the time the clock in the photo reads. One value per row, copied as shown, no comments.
4:19:27
